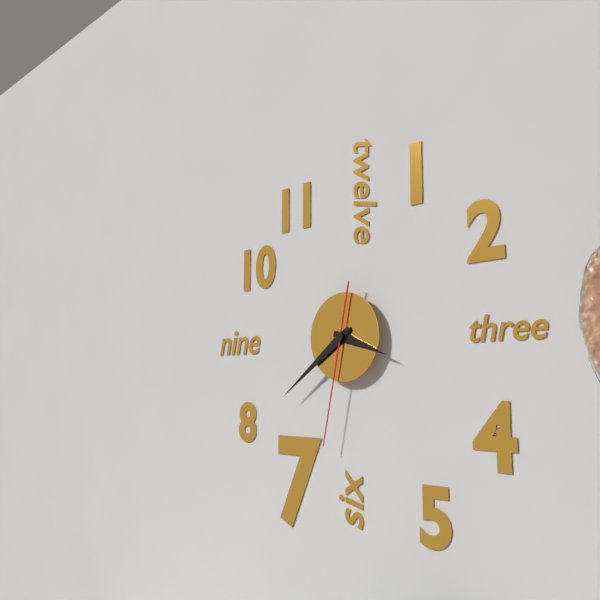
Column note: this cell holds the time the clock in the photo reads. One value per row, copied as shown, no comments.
3:39:32
